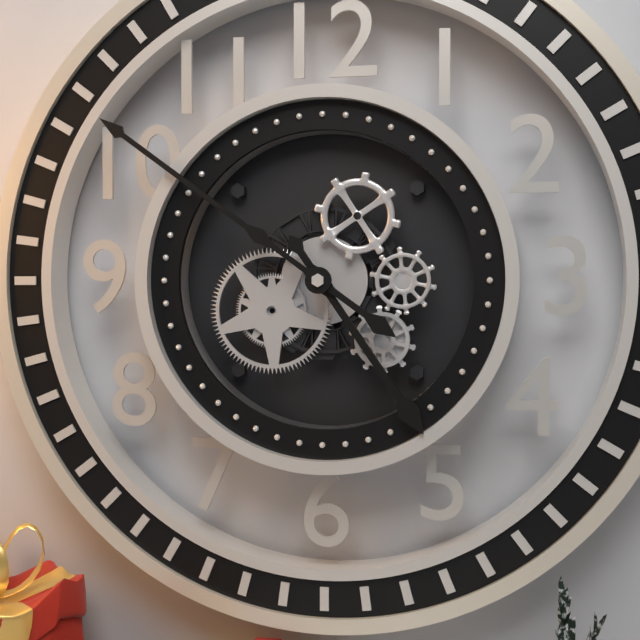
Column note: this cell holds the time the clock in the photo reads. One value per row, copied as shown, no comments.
4:51
